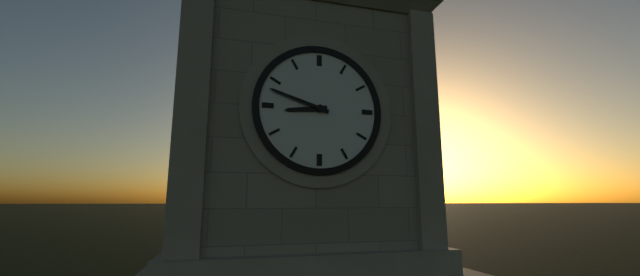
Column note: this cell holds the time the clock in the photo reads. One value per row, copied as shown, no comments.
8:48
